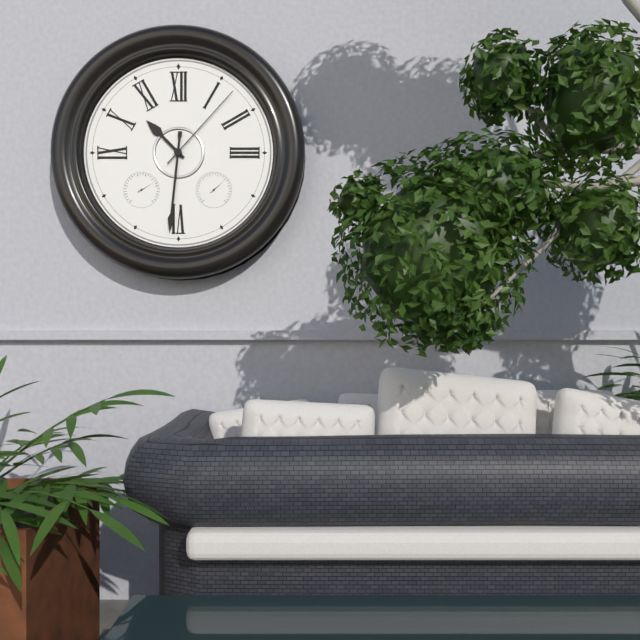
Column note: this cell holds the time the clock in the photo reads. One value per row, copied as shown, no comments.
10:31:07
